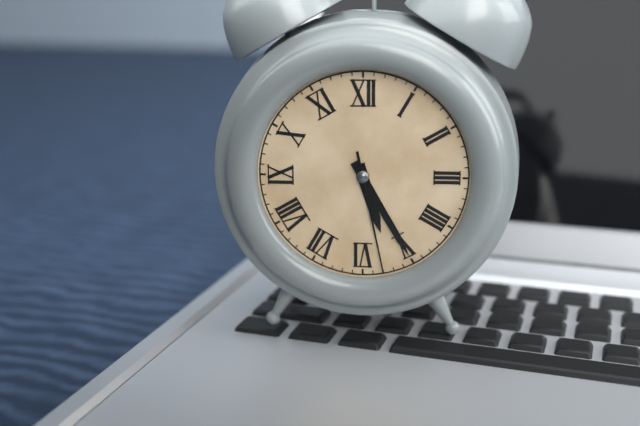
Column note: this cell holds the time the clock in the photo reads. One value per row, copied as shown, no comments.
5:25:28
